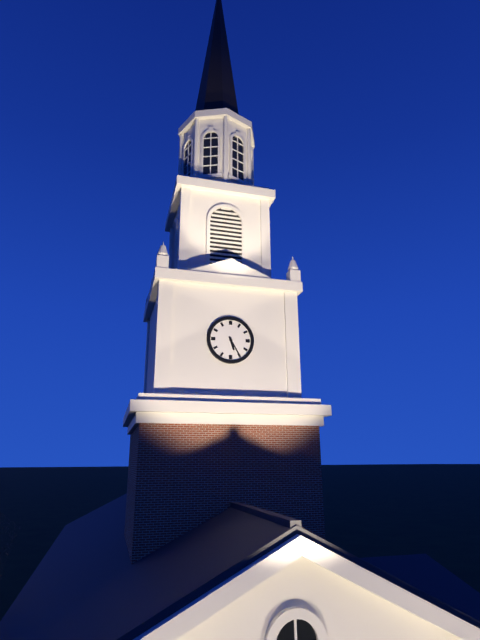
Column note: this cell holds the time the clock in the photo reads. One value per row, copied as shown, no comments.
5:25
